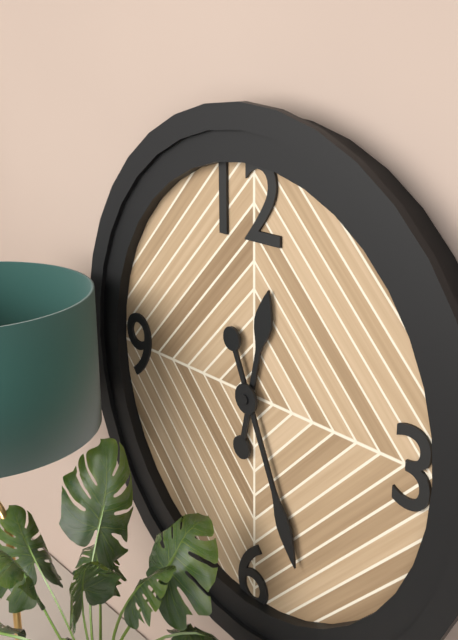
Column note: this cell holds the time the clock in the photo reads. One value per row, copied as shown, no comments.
12:26
